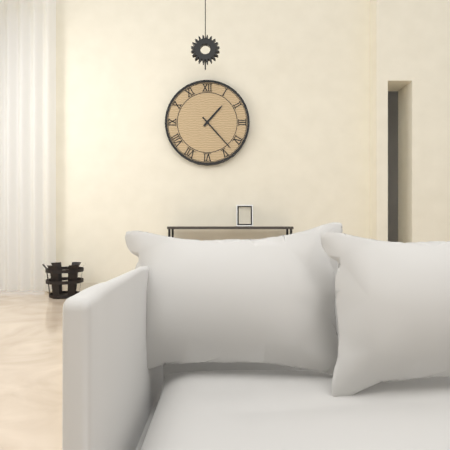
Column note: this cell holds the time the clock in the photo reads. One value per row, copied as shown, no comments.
1:23
